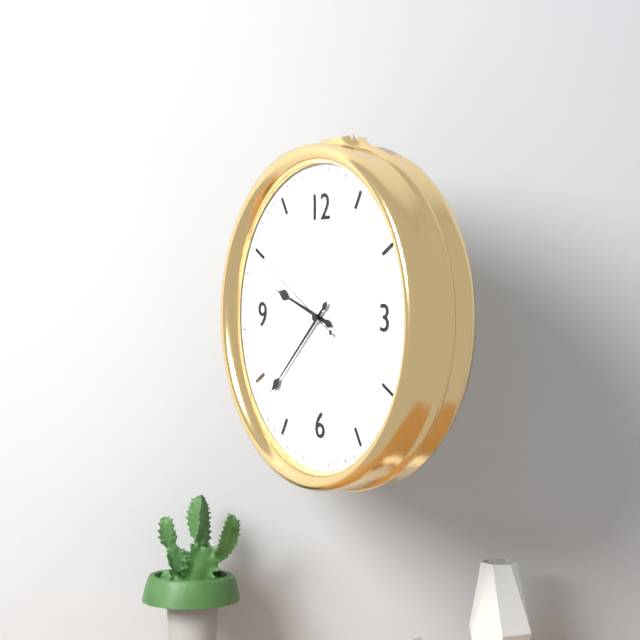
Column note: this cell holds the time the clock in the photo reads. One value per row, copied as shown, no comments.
9:38:50
